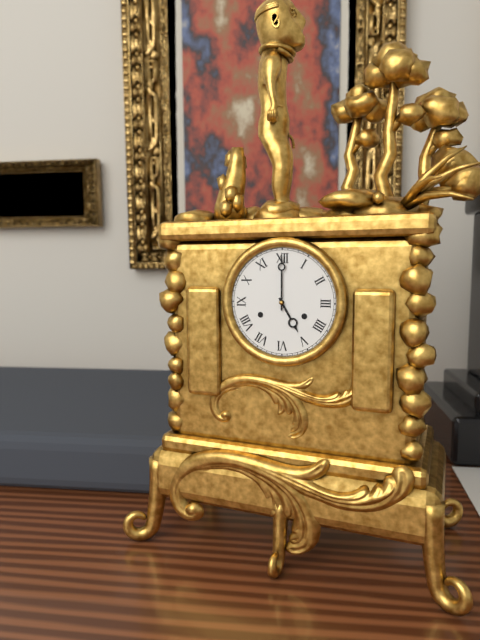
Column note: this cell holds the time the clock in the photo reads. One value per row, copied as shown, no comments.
5:00
